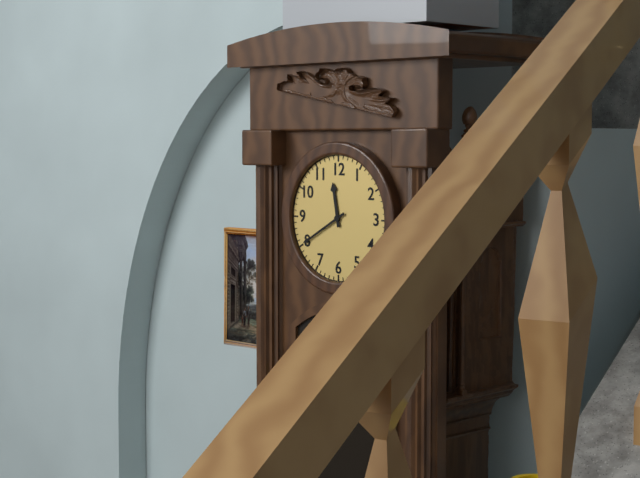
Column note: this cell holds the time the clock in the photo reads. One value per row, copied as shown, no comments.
11:40
